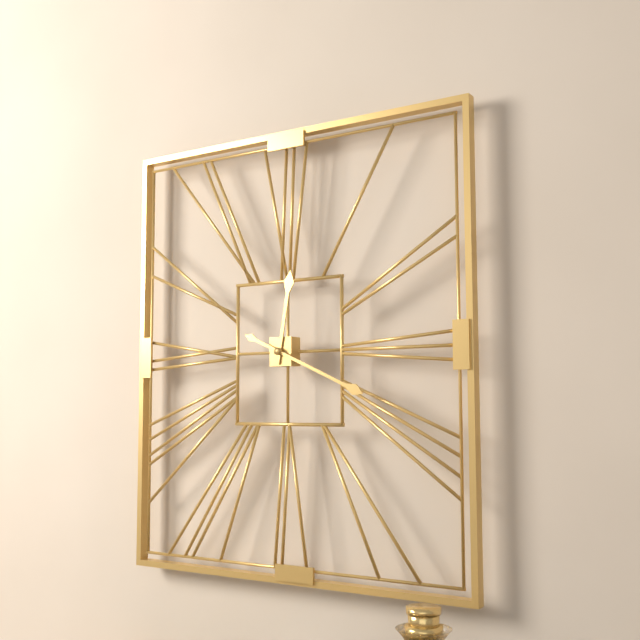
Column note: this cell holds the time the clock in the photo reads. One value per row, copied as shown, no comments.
12:19
